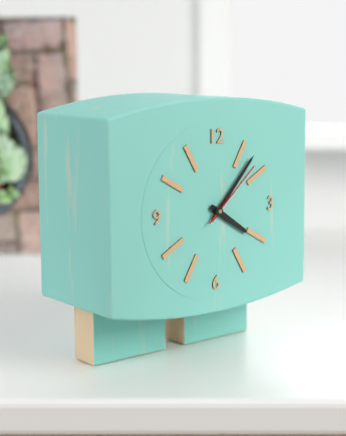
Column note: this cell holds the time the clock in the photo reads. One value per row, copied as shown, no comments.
4:07:08
